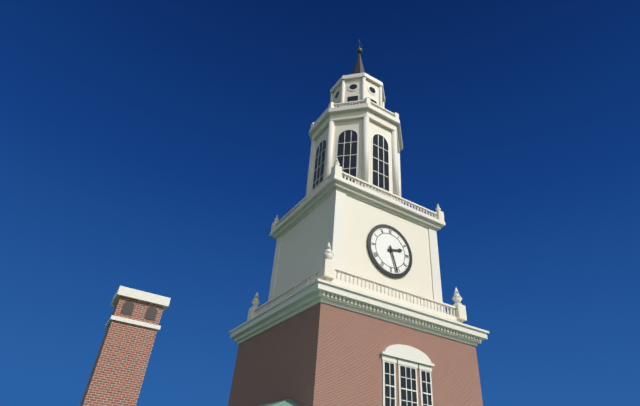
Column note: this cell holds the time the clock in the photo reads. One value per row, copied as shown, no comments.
2:27
